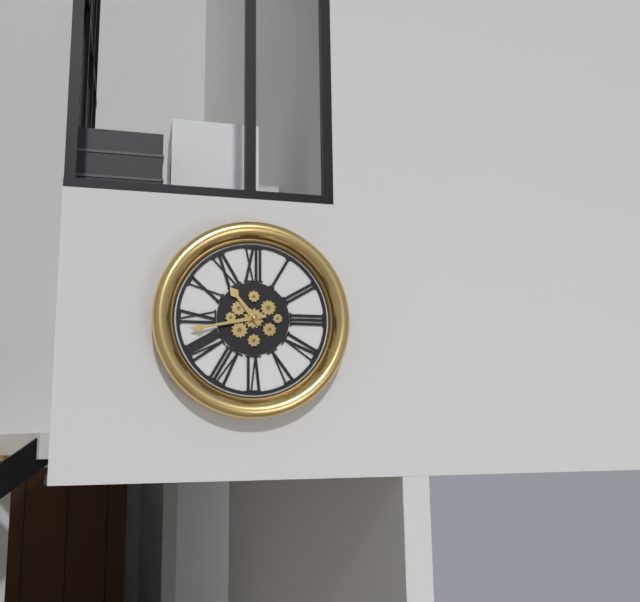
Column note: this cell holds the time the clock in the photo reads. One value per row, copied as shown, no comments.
10:43
